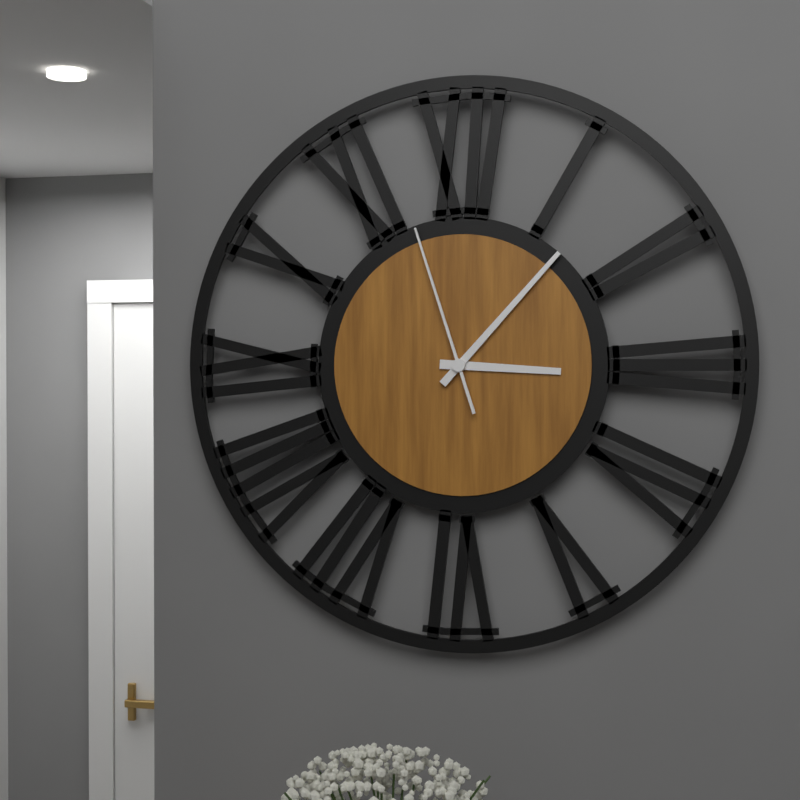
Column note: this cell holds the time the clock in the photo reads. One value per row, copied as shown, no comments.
3:07:57
